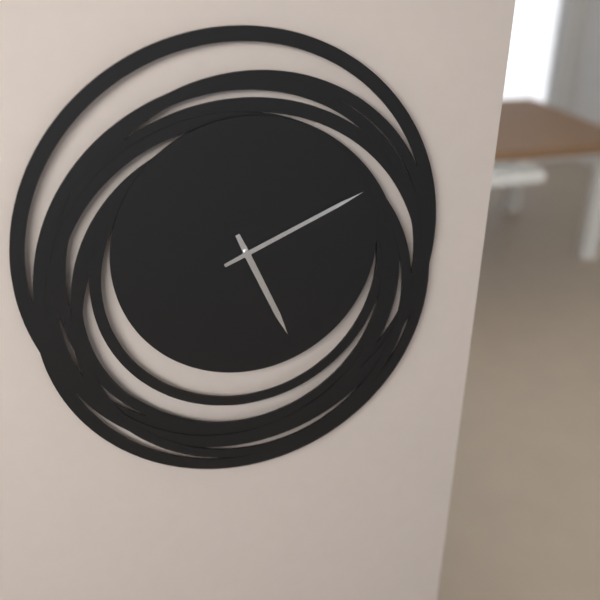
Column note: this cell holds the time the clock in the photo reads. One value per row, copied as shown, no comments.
5:11
